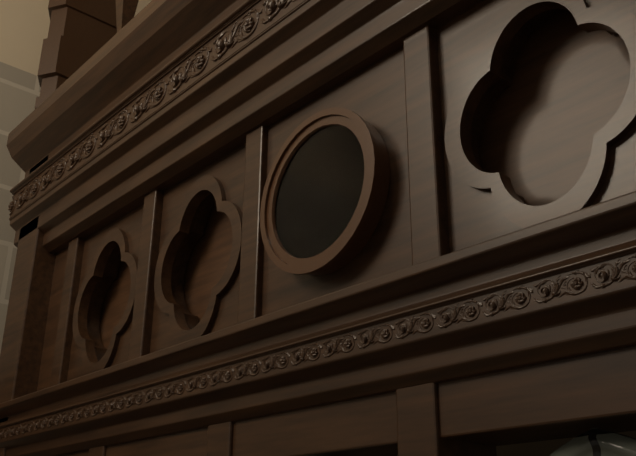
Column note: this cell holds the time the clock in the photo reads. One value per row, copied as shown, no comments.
4:41
